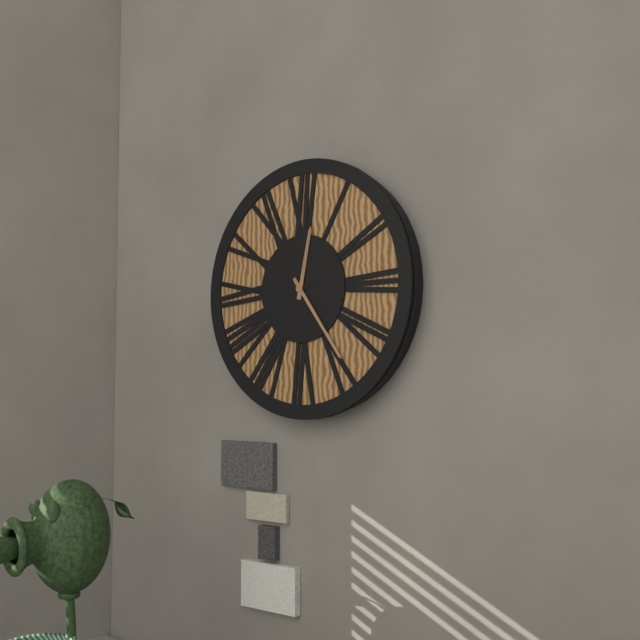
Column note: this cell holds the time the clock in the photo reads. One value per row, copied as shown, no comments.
12:24
